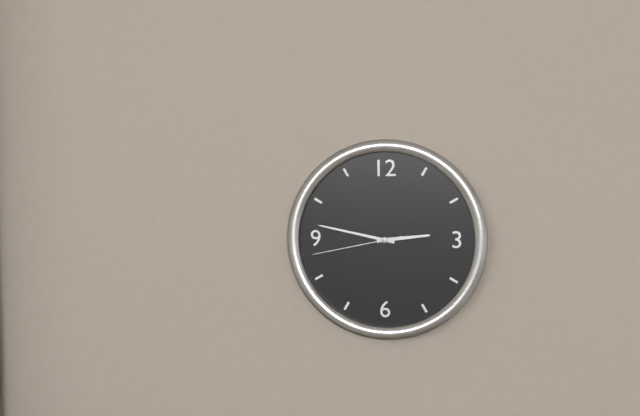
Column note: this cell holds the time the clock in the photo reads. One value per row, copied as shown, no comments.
2:47:43
